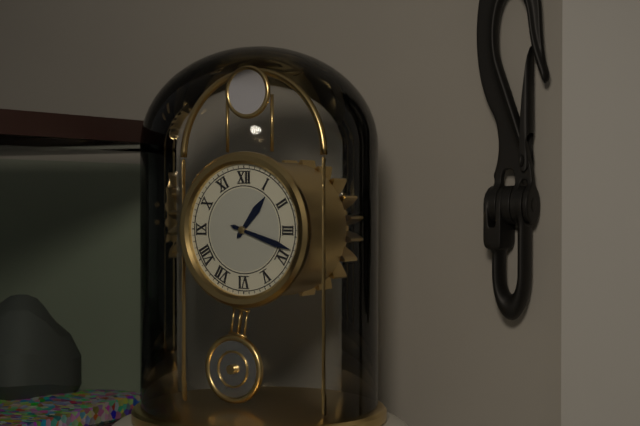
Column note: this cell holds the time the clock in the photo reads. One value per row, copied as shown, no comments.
1:18
